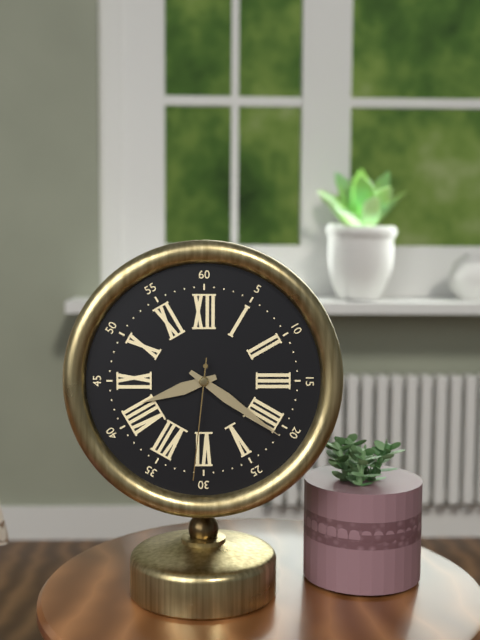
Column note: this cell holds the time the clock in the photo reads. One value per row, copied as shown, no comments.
8:21:31
